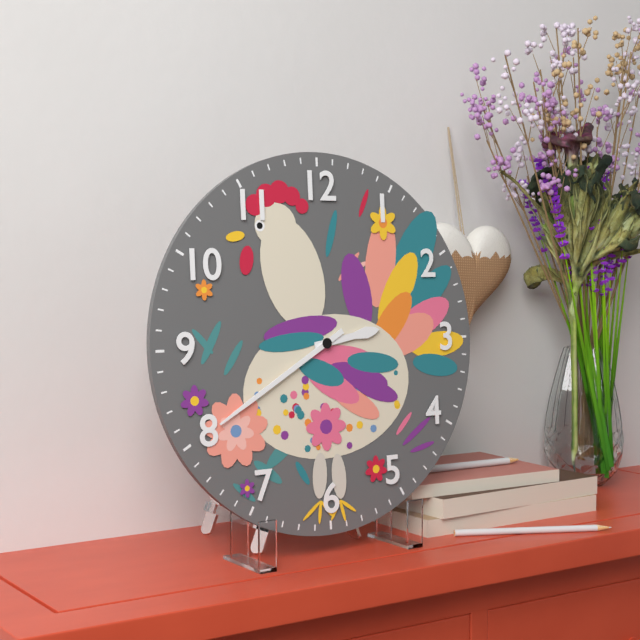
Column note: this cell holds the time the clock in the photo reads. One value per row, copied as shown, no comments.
2:40
